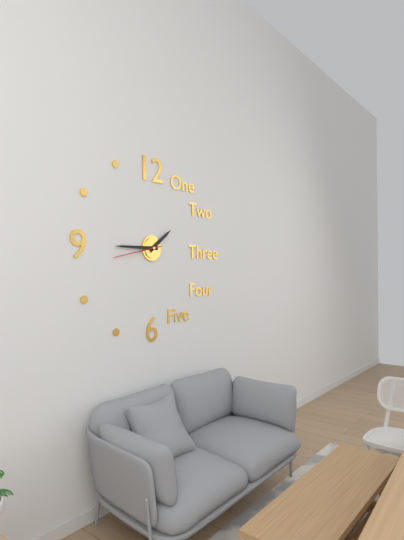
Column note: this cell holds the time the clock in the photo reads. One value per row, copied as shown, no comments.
1:45:43
